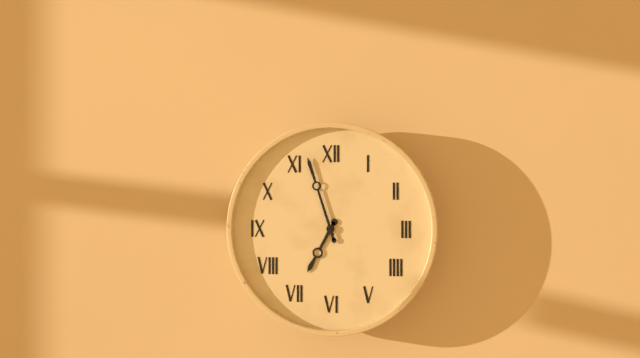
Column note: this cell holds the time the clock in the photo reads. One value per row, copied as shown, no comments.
6:57
